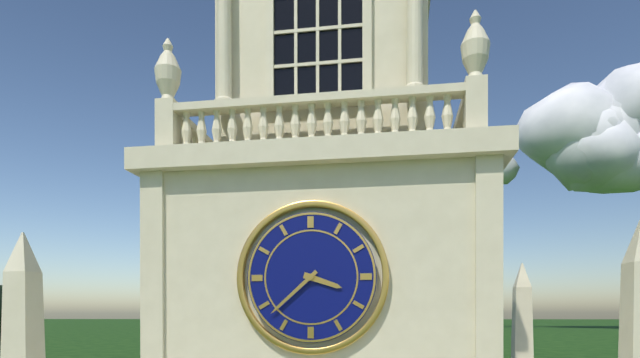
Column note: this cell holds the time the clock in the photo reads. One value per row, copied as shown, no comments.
3:38
